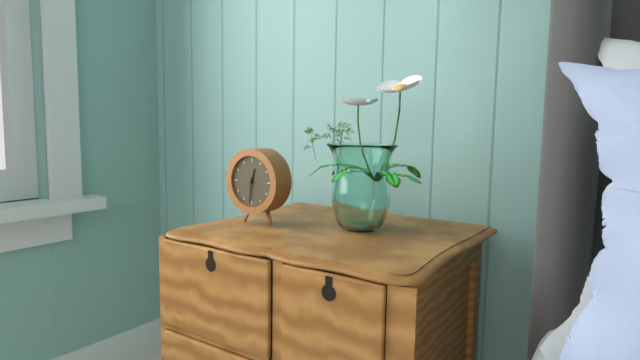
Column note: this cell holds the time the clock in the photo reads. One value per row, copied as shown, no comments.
12:31
